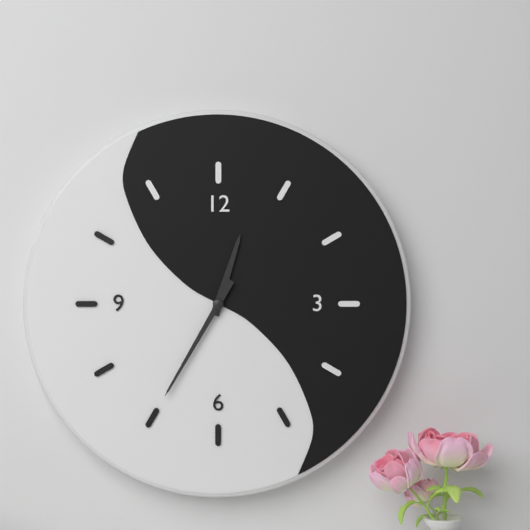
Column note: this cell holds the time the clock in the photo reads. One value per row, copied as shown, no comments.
12:35
